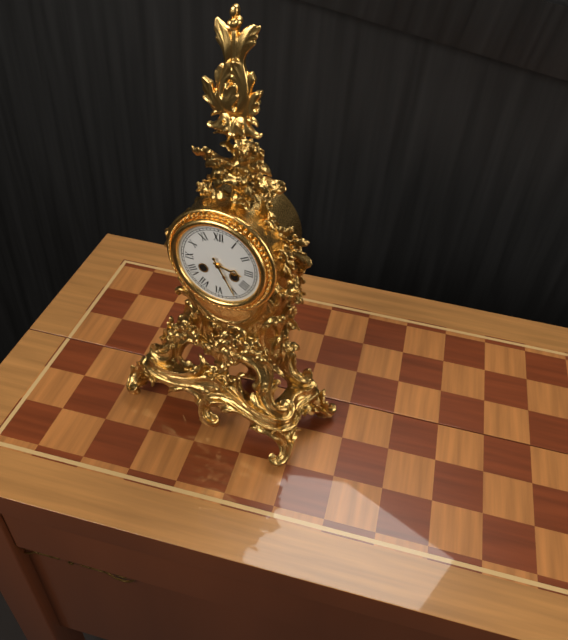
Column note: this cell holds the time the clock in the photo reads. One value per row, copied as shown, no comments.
3:25
